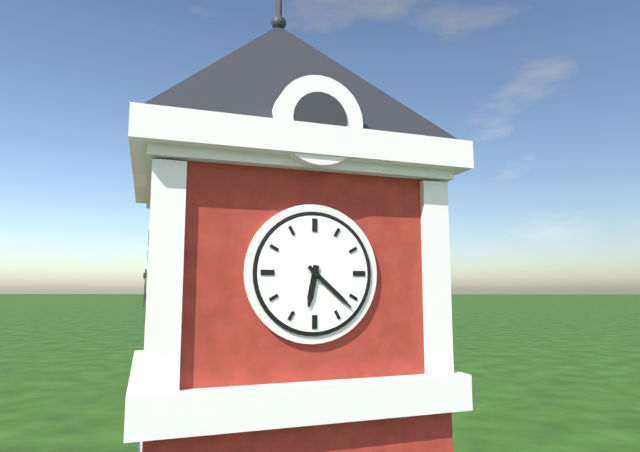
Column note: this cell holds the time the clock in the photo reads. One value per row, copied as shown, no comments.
6:22
